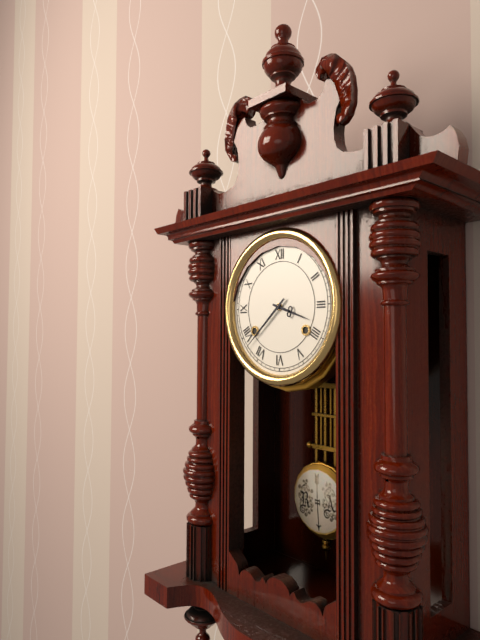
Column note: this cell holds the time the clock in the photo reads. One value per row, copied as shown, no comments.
3:38
